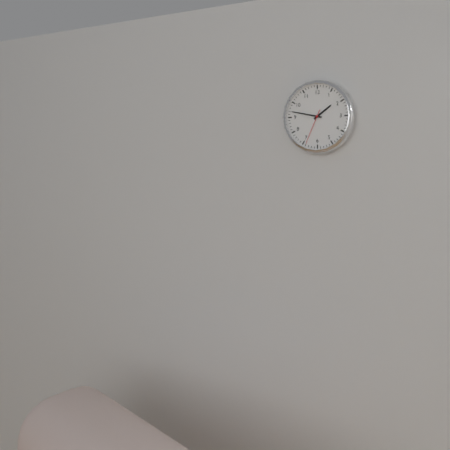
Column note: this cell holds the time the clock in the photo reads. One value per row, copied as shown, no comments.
1:47
